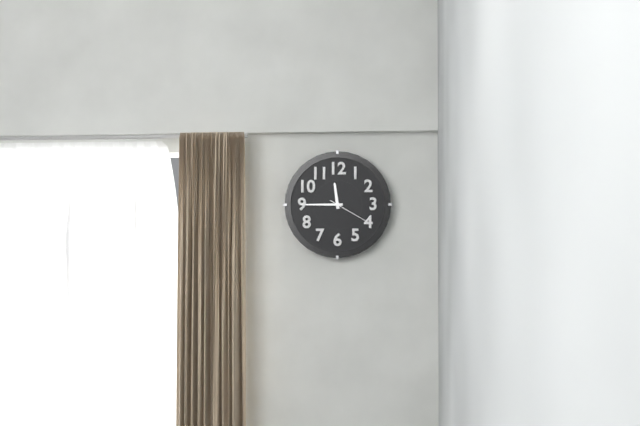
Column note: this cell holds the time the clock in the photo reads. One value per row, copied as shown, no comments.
11:45
